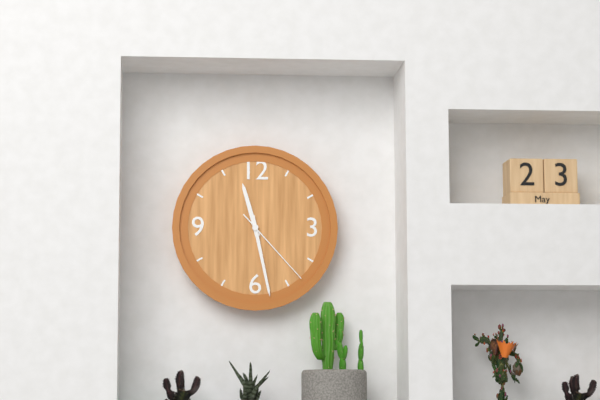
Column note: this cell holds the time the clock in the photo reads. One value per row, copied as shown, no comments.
11:28:23
